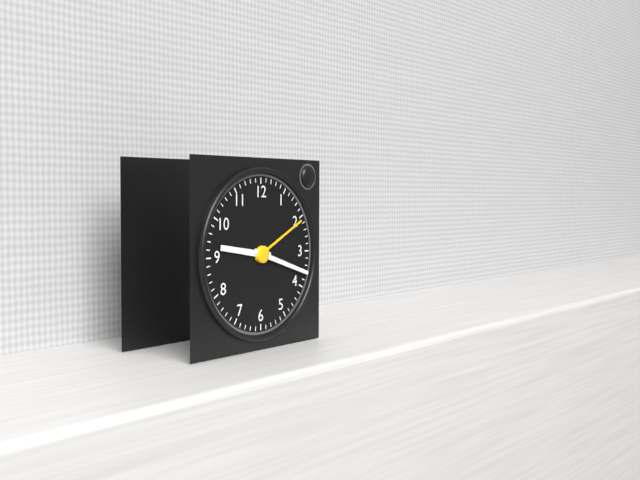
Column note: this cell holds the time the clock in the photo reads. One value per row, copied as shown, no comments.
9:18
